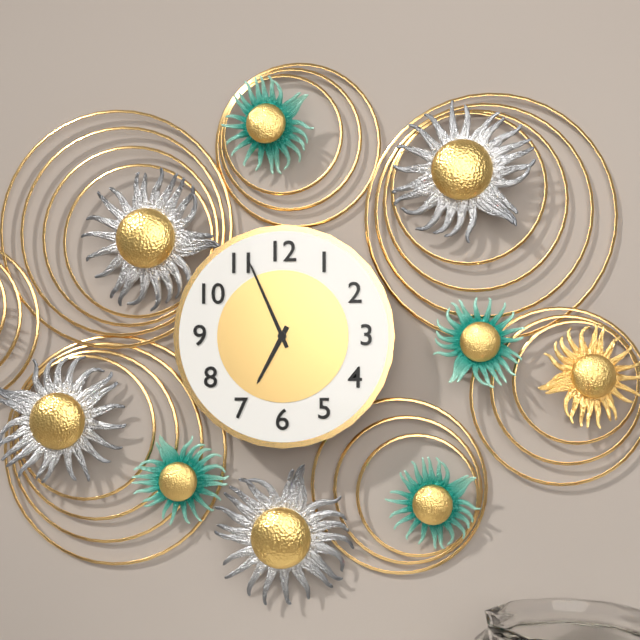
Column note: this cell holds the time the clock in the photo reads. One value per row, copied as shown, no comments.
6:56
